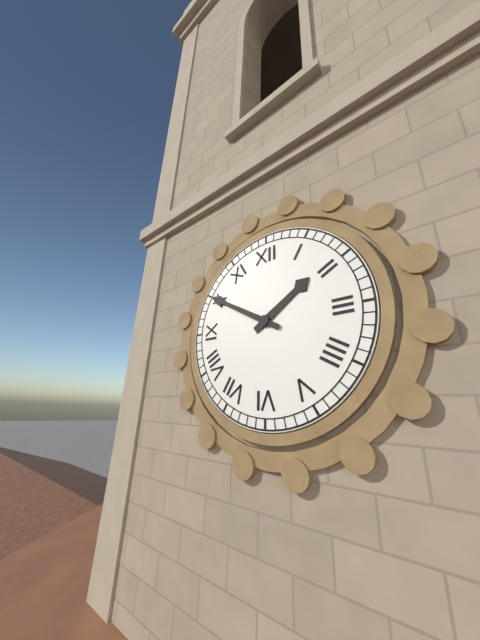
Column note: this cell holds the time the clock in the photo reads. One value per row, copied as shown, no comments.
1:50
